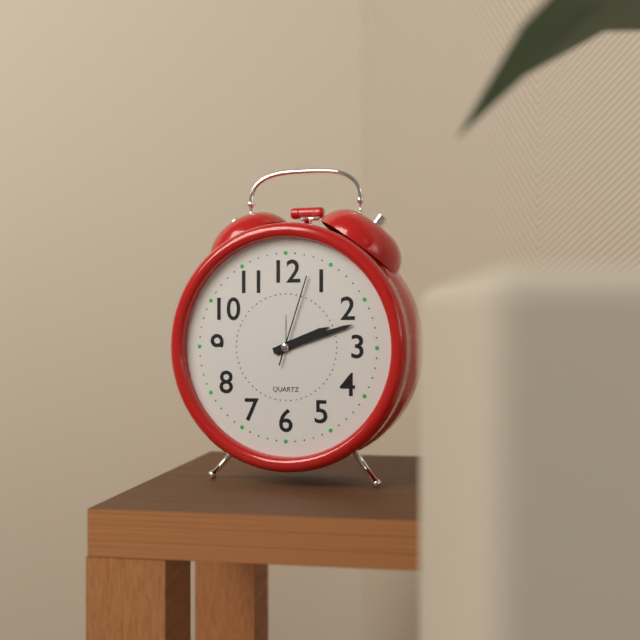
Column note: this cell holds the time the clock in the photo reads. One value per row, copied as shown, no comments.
2:12:03
